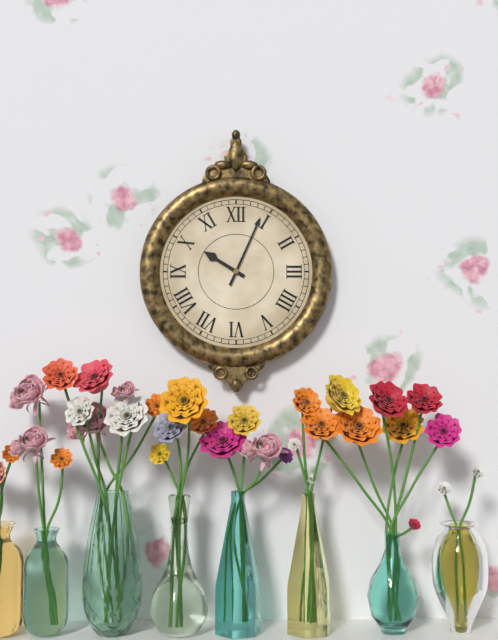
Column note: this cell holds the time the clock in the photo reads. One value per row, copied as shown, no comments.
10:04
